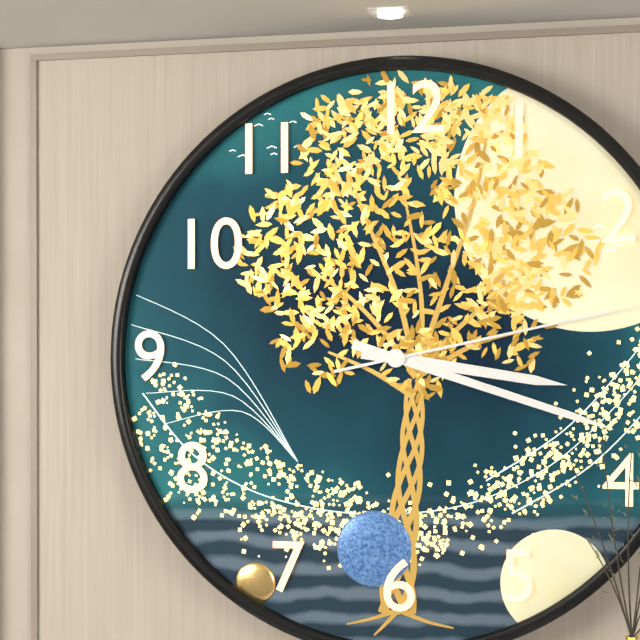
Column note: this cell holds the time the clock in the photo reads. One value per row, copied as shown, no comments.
3:18
